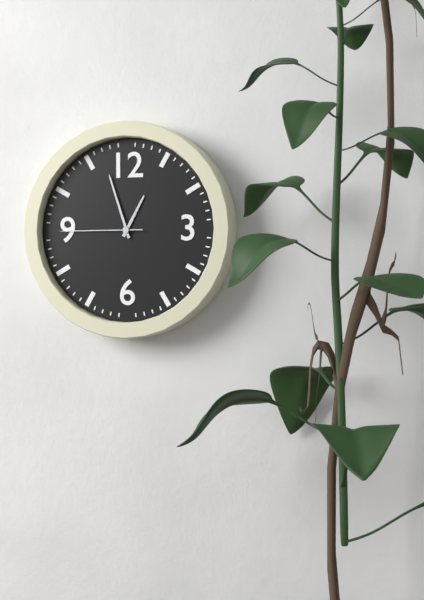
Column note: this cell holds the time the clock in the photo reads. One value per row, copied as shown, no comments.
12:57:45
